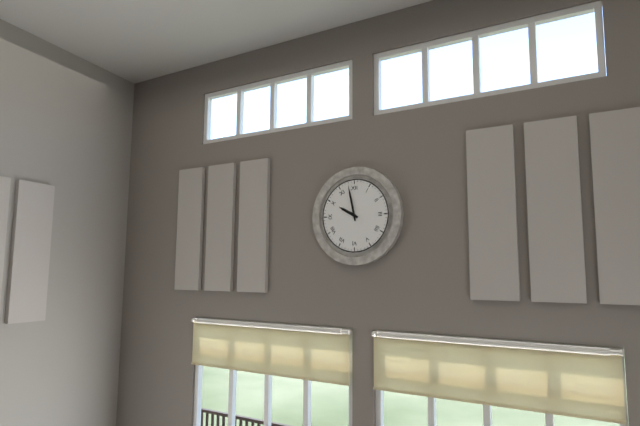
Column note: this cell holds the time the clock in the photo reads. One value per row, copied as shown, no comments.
9:58
